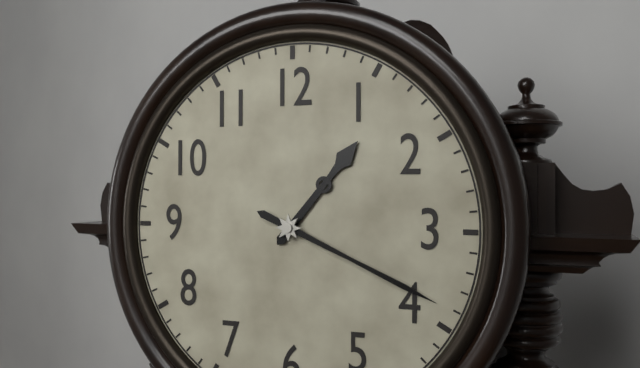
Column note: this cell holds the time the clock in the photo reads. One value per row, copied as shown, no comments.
1:19
